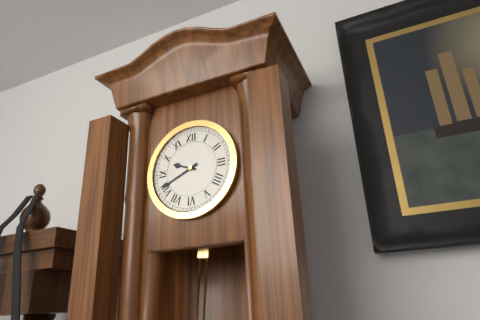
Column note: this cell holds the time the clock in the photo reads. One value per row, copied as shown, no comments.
9:41
